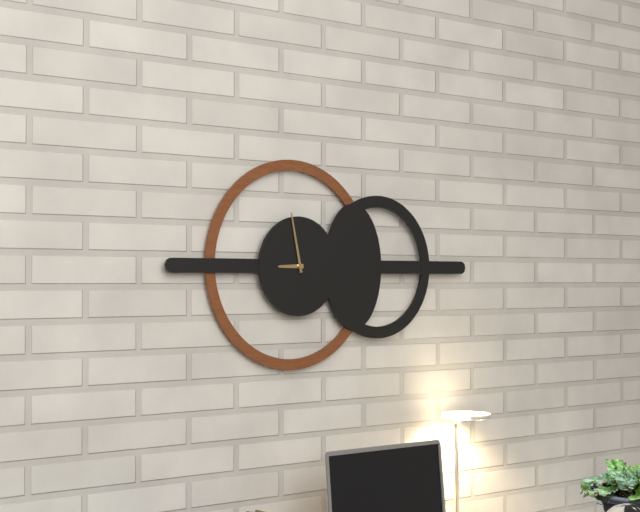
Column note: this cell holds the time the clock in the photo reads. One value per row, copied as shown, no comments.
8:58
